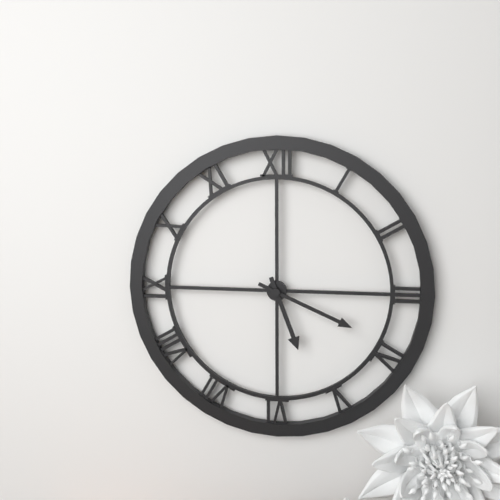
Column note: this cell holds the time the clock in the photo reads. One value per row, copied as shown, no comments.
5:19
